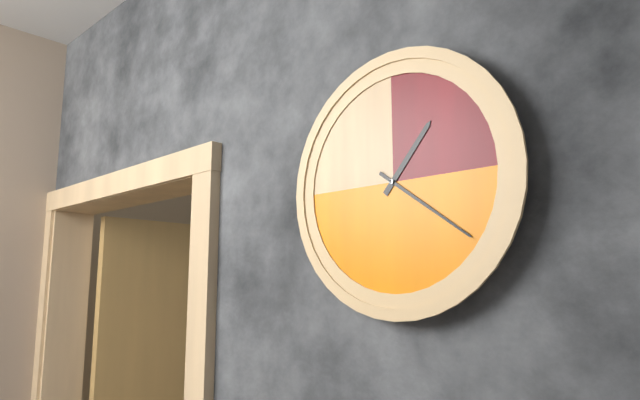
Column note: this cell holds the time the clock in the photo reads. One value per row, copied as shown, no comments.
1:21
